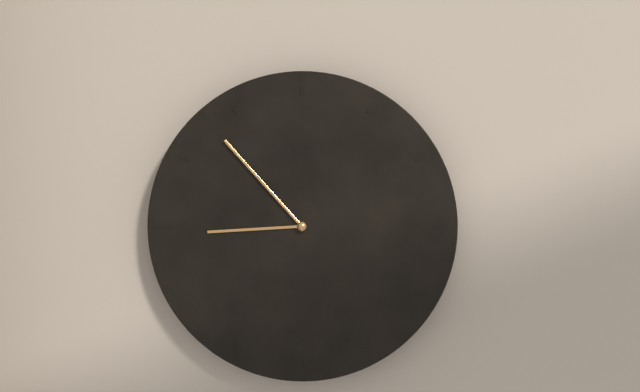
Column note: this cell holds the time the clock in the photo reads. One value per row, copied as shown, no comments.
8:53
